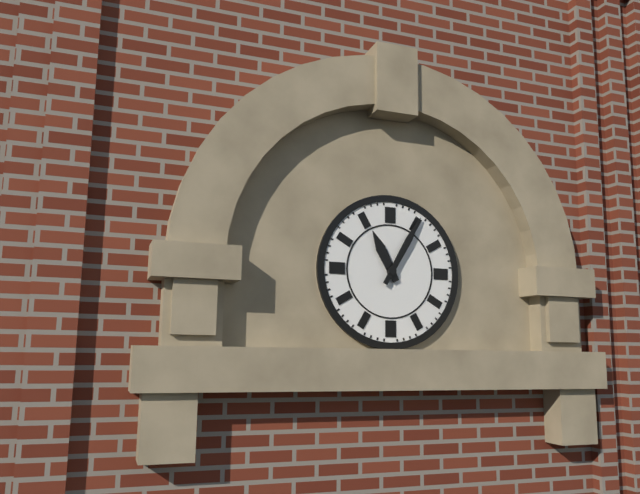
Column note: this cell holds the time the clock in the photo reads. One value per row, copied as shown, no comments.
11:05
